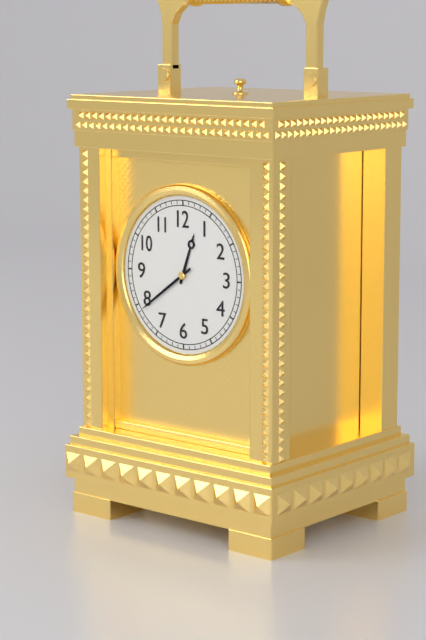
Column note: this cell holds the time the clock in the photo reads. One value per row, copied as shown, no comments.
12:39
